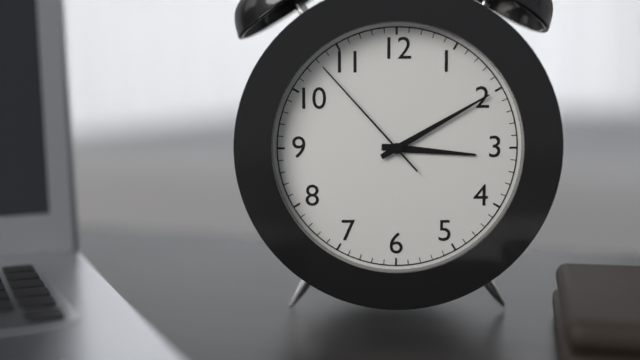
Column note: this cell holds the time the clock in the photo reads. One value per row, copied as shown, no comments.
3:10:53
